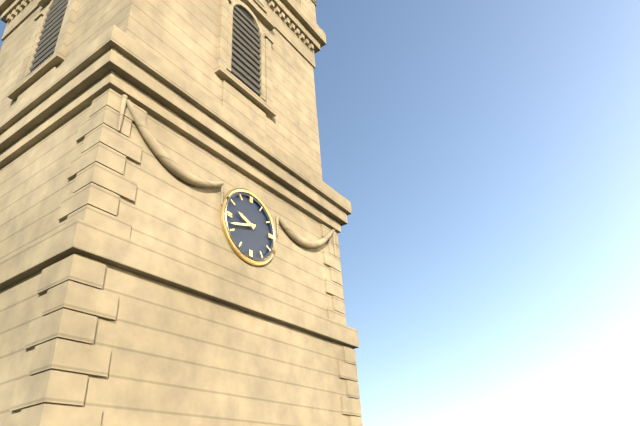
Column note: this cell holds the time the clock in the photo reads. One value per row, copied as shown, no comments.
9:42
